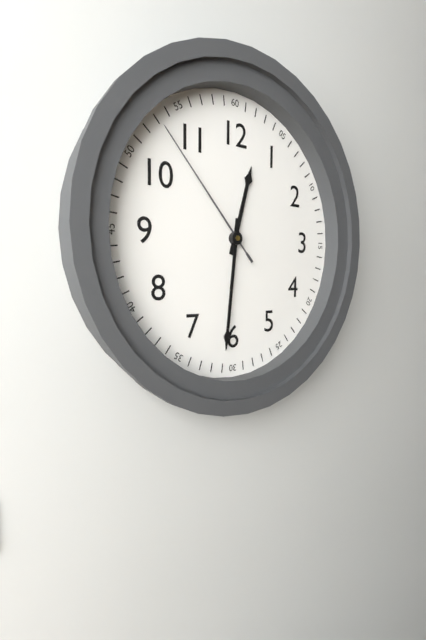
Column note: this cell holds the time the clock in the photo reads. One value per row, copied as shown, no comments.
12:31:53
